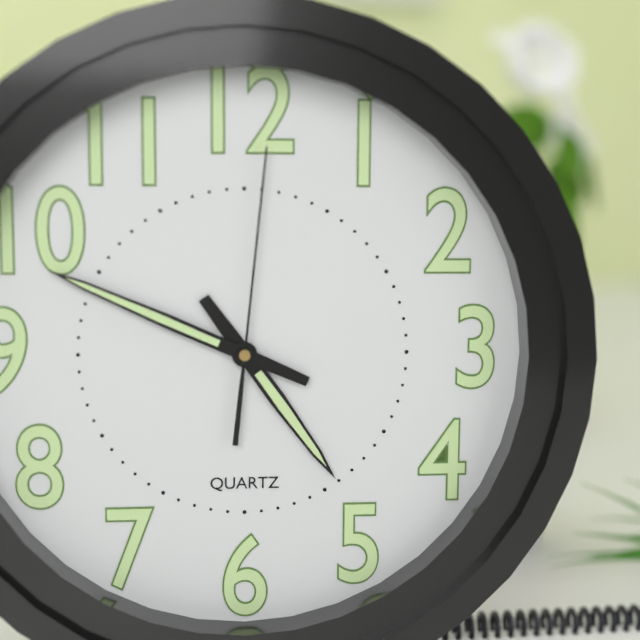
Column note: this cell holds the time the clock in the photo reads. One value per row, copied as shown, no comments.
4:49:01
